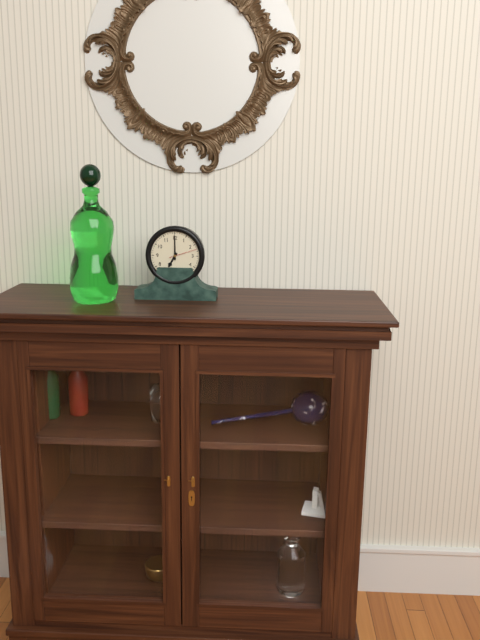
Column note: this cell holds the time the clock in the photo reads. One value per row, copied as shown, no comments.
7:00
